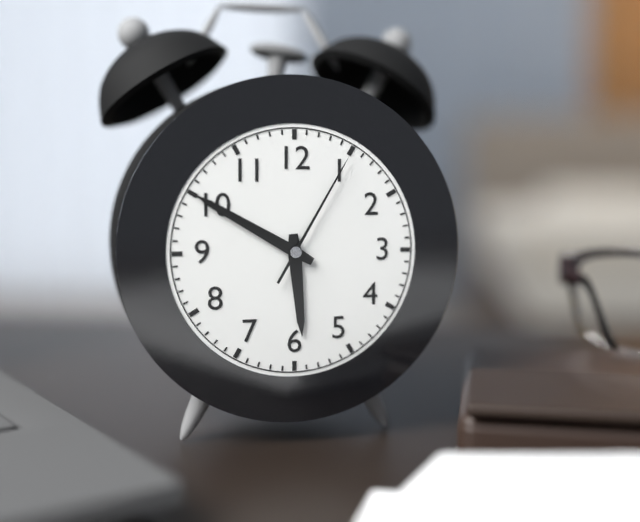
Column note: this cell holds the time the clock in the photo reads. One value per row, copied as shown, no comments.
5:50:05
